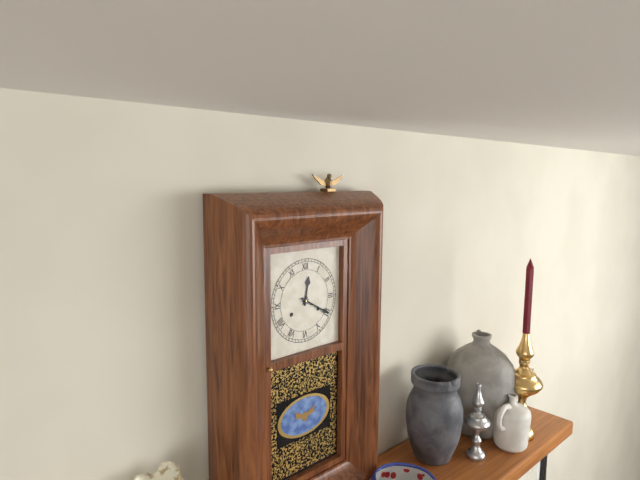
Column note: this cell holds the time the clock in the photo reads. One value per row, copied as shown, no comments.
12:20
